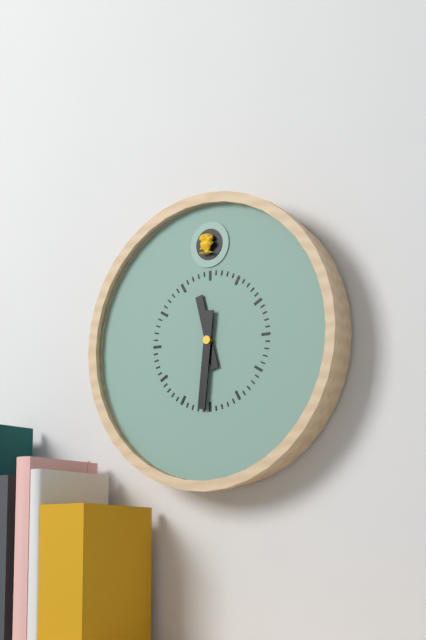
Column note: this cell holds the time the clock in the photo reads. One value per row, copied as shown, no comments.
11:31
